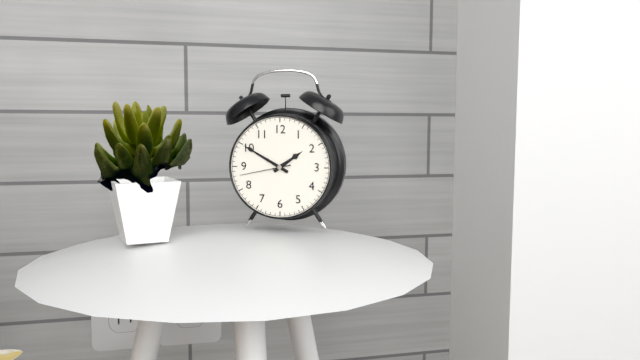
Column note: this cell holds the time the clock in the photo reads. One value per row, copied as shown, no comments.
1:50:43
